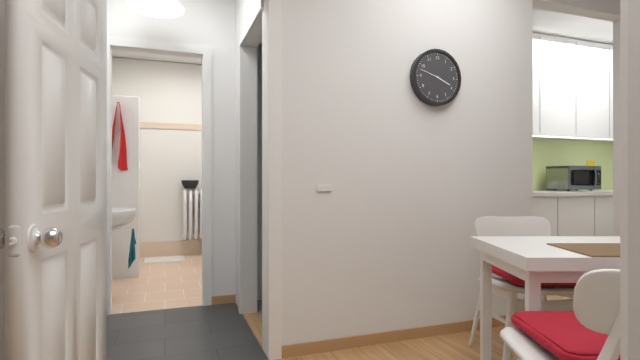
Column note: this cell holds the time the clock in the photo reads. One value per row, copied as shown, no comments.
3:48
